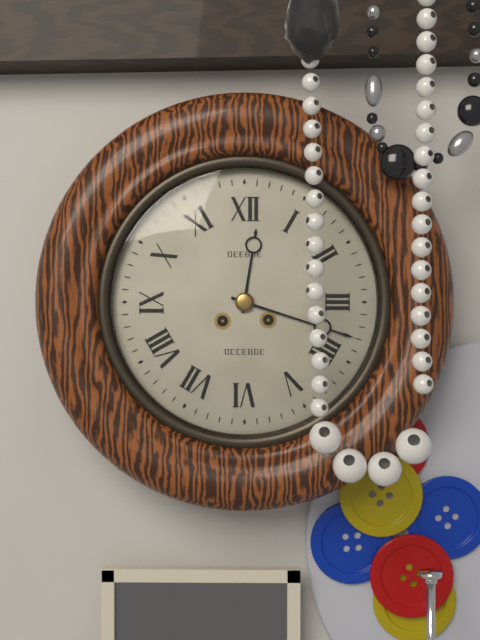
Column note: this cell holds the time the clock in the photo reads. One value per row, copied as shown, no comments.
12:18
